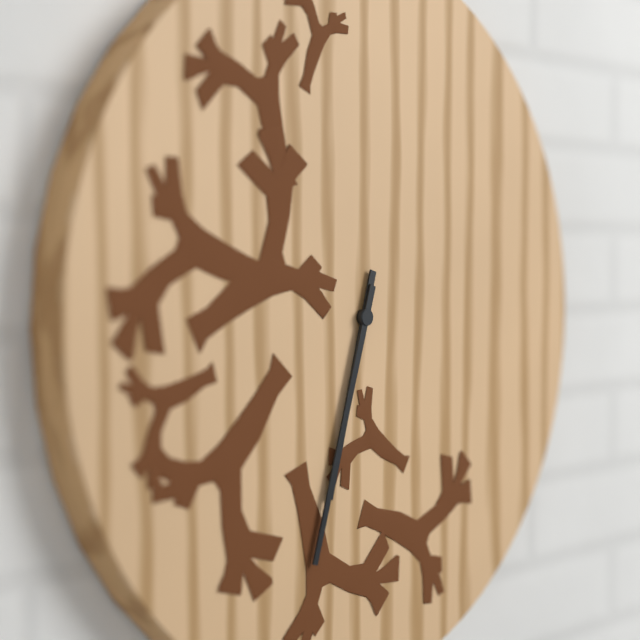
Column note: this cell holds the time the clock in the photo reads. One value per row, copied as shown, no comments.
6:33
